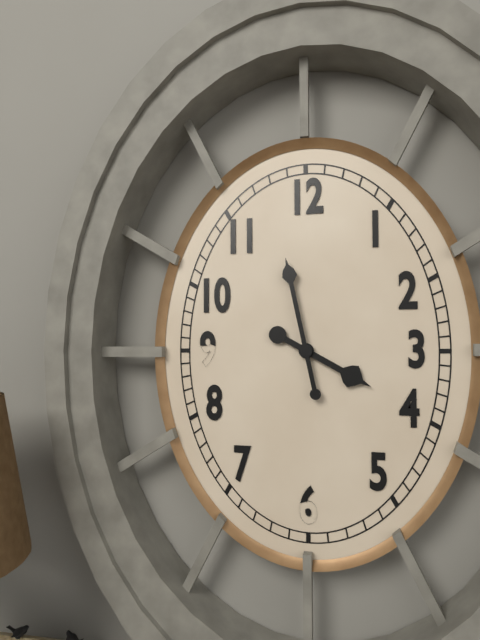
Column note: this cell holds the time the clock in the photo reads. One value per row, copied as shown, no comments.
3:58
